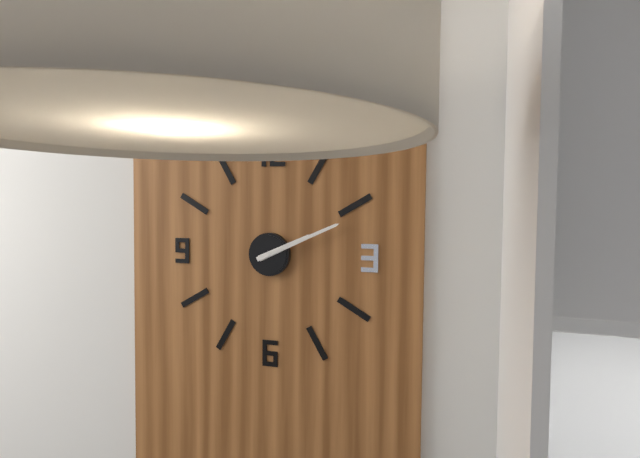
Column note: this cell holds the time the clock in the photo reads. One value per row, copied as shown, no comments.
2:11
